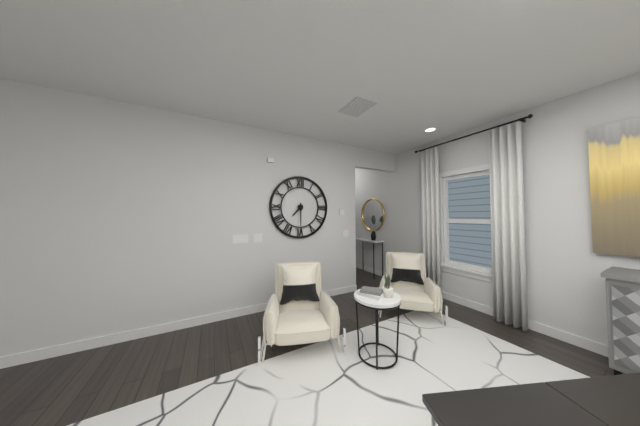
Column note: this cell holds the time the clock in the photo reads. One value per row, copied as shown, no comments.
7:30
